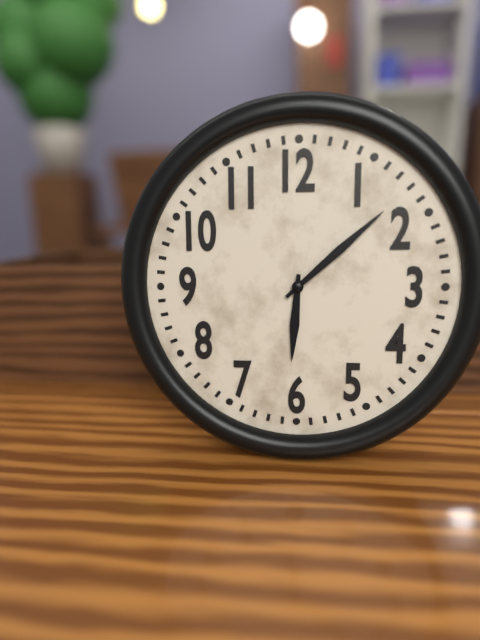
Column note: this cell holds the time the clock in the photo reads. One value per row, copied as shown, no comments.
6:08
